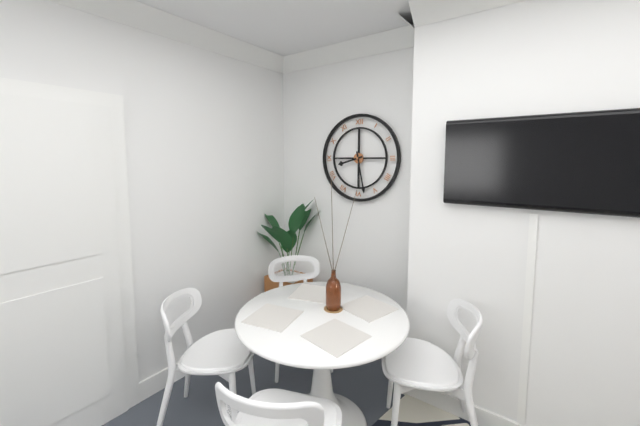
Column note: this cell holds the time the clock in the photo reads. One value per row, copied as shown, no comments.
8:28
